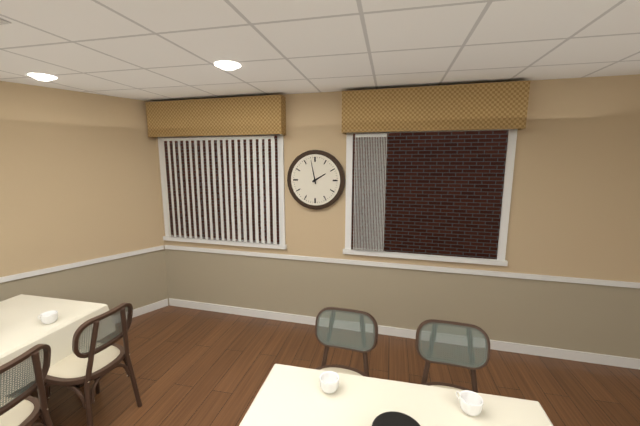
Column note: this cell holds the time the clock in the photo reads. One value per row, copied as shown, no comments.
1:58
